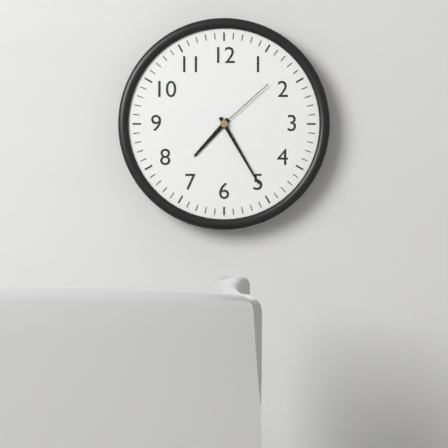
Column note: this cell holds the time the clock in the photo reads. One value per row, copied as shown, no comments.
7:25:08
